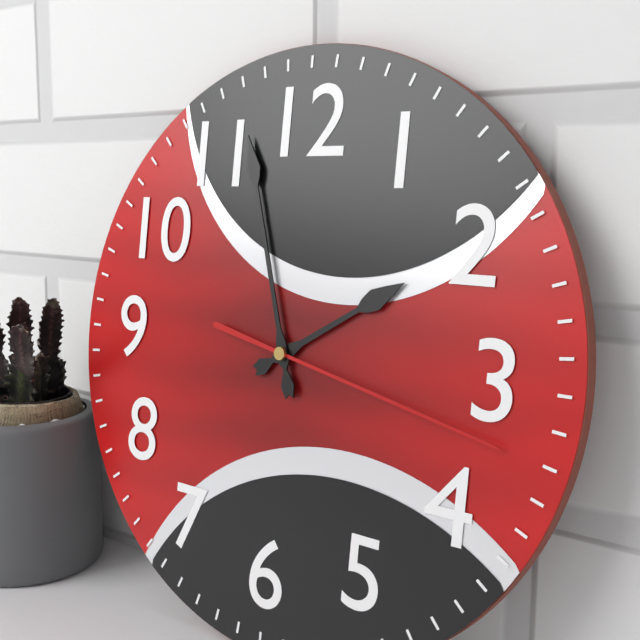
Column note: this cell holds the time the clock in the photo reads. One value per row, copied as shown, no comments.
1:57:17
